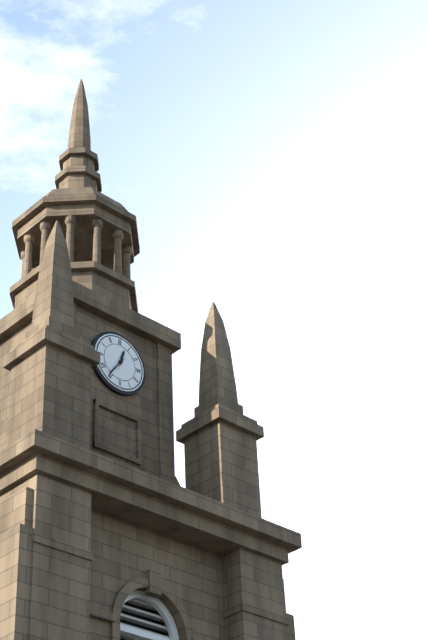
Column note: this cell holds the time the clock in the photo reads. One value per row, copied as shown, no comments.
12:36
